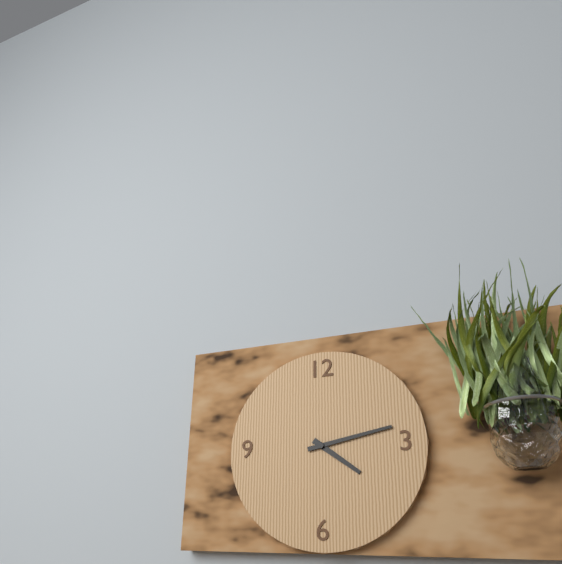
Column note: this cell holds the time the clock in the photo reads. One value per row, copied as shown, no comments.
4:13
